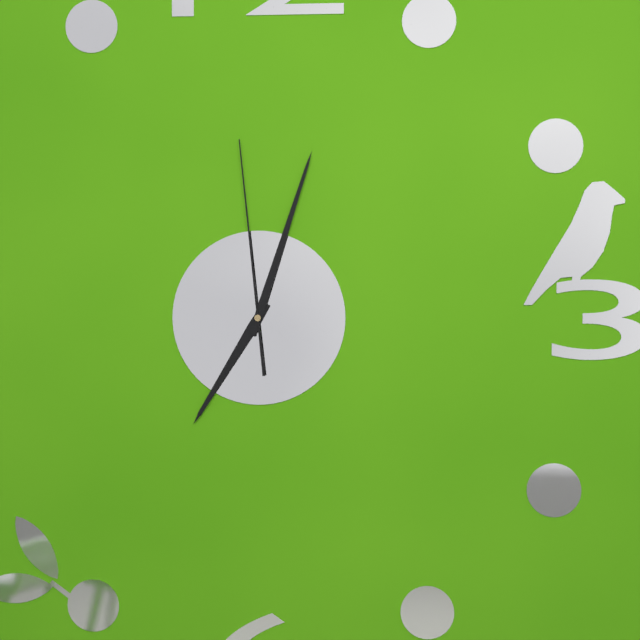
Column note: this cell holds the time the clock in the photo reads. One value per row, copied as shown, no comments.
7:03:59
